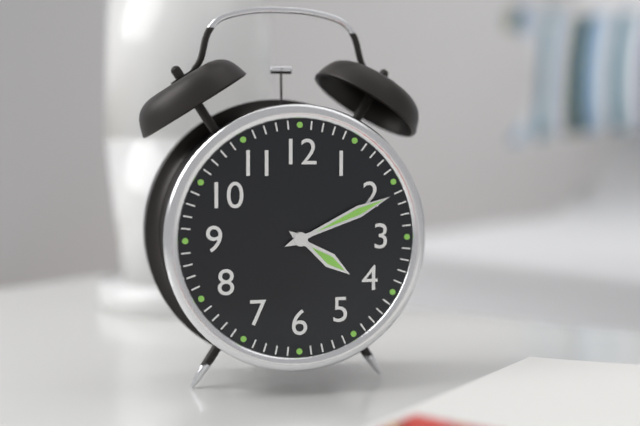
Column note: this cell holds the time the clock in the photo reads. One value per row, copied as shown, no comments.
4:11
